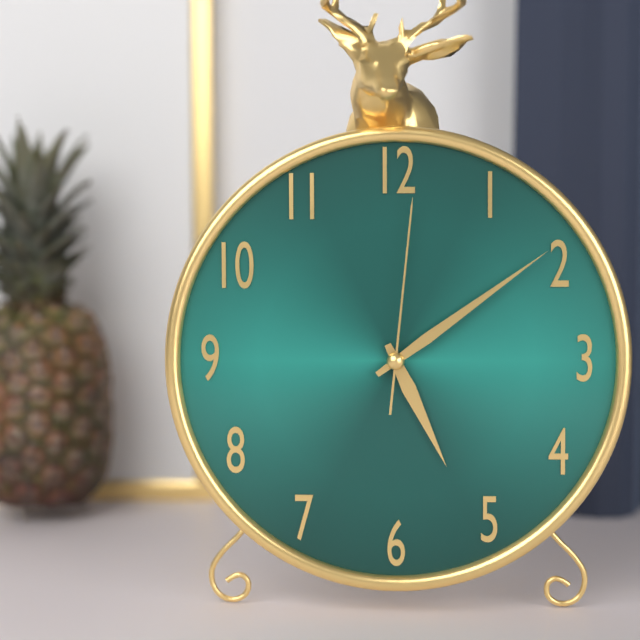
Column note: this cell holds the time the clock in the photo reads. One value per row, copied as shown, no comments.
5:09:01
